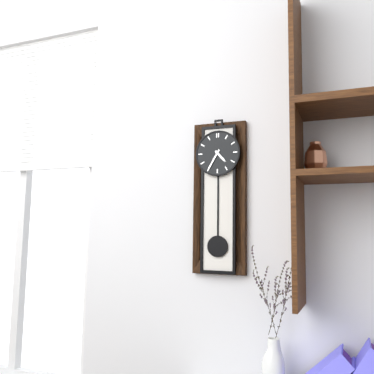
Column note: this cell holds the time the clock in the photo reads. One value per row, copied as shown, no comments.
4:35
